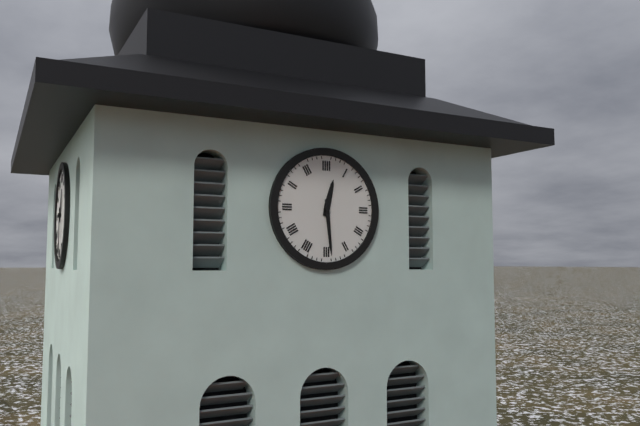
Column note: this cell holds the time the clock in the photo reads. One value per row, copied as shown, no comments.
12:29
